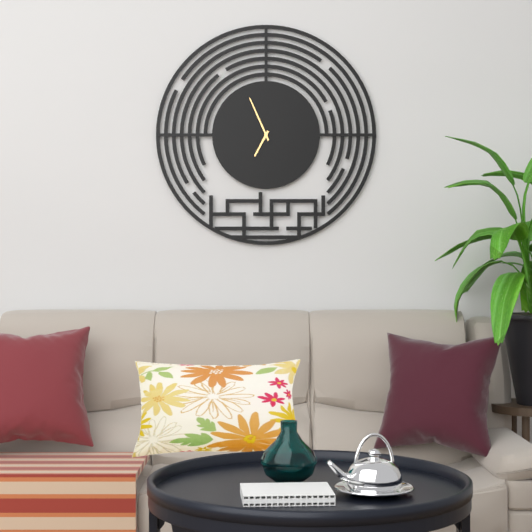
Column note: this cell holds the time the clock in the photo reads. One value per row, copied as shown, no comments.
6:56
